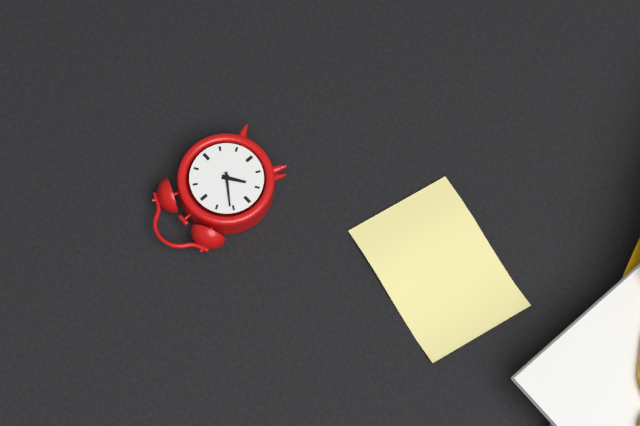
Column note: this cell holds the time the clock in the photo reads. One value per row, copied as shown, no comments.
7:51
